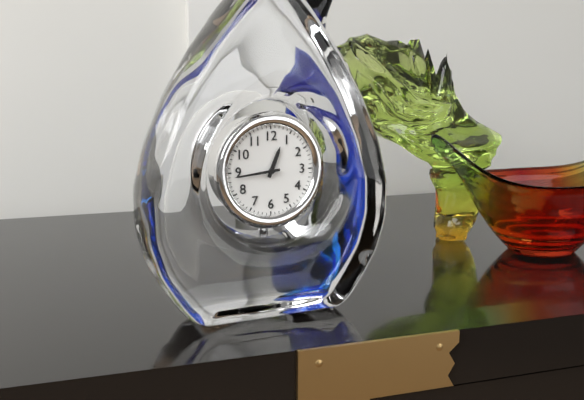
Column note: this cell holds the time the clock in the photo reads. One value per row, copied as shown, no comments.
12:44
